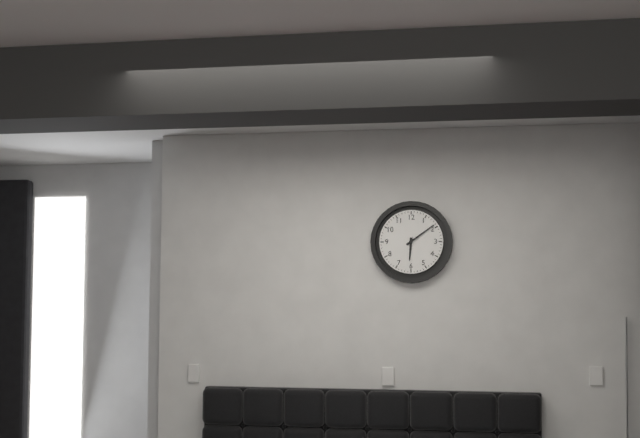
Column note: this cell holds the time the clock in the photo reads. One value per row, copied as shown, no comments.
6:09
